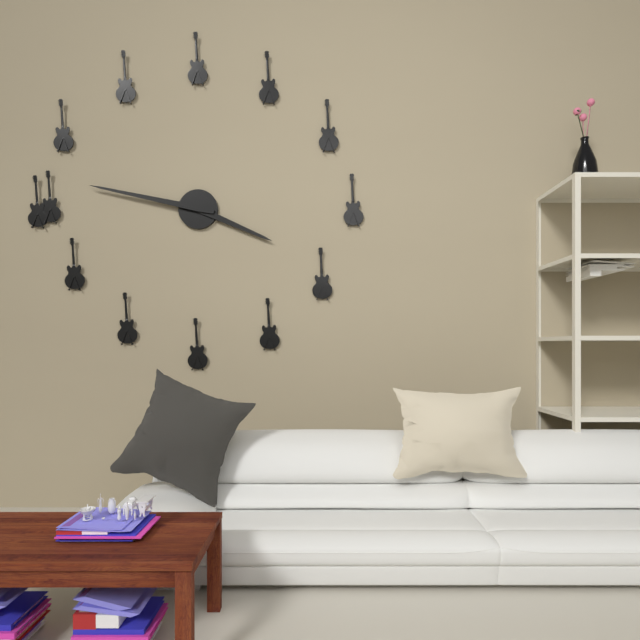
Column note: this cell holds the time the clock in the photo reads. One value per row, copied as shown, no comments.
3:47
